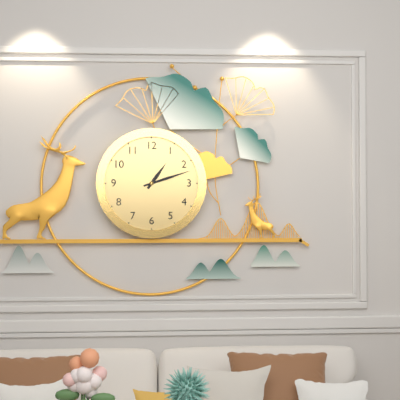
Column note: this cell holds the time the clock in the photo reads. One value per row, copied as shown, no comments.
1:12
